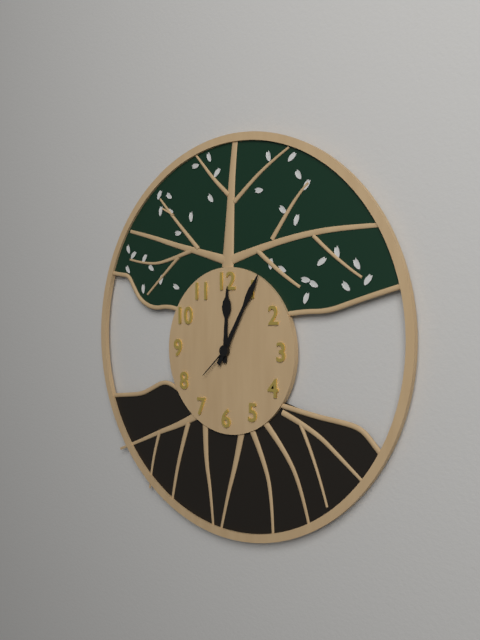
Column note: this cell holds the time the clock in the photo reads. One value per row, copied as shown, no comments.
12:05:38
